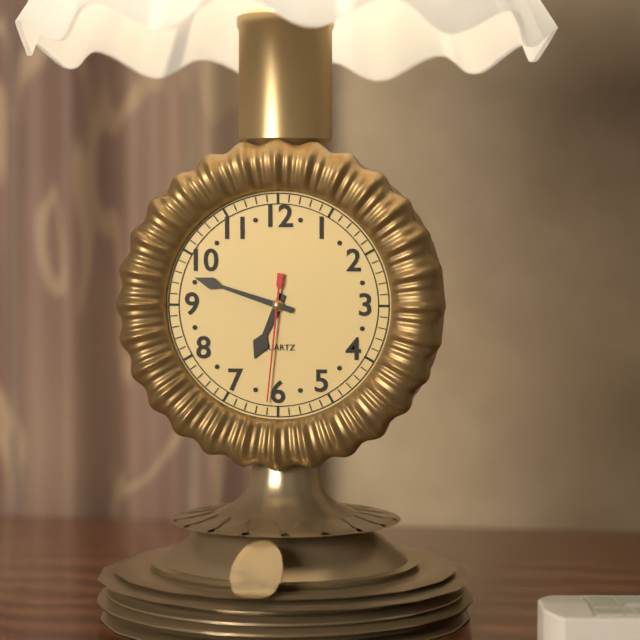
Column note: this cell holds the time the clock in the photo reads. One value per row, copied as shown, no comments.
6:48:31
